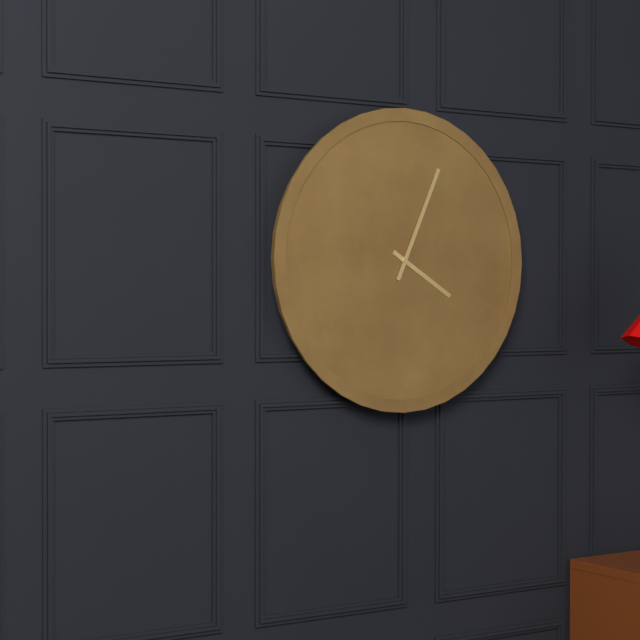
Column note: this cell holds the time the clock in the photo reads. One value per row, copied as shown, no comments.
4:04
